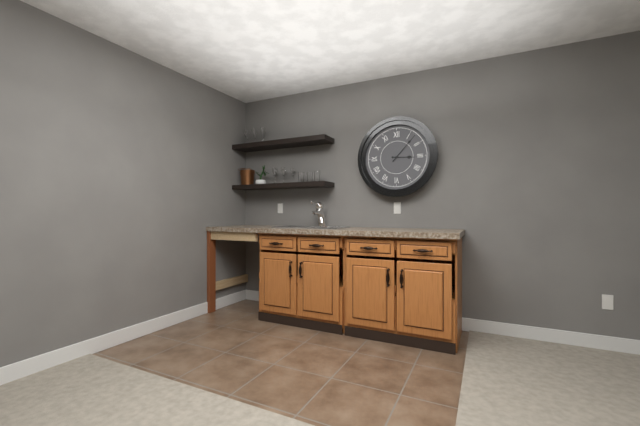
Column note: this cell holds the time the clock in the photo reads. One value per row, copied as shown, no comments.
3:07
